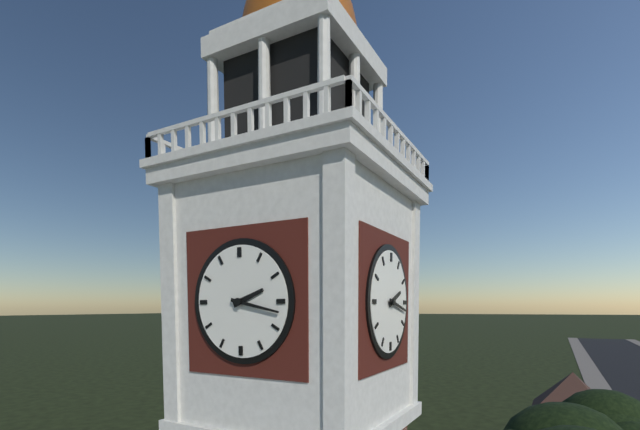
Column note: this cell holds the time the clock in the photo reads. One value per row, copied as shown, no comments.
2:17
